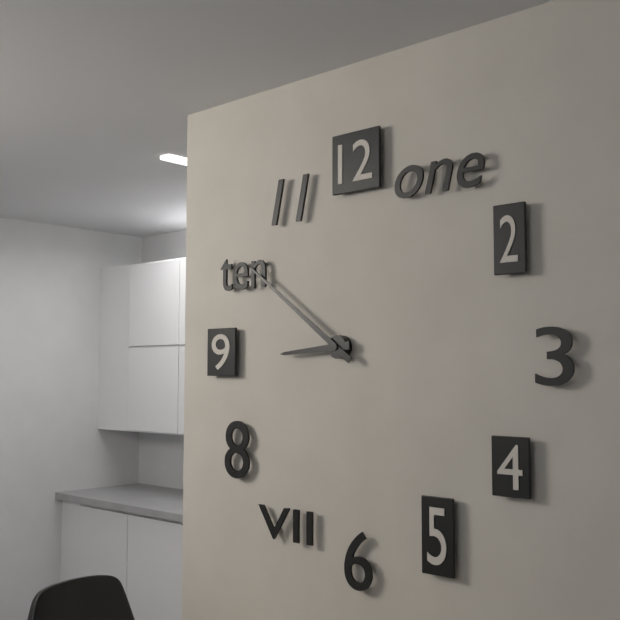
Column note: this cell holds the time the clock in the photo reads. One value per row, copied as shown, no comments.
8:51
